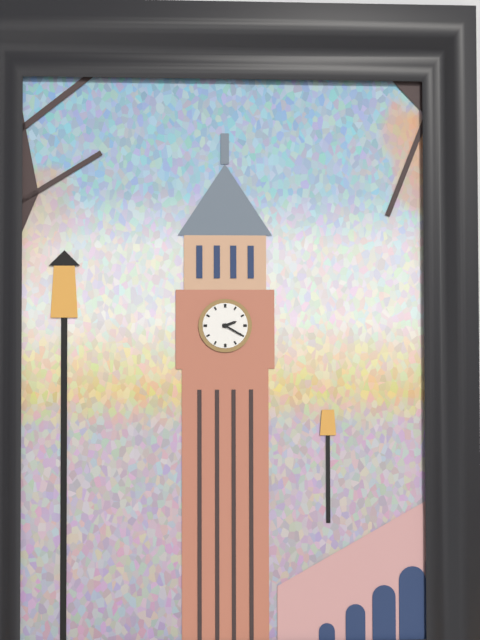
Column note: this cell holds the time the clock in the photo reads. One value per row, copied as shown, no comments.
2:20
